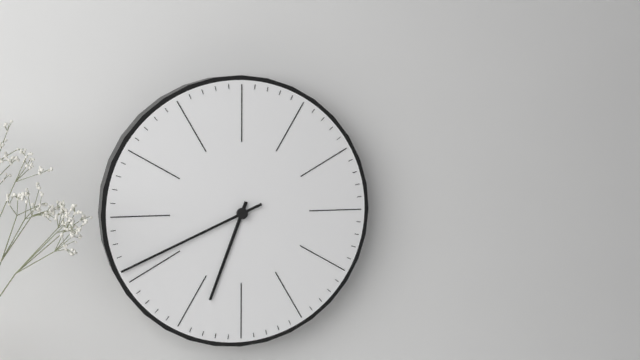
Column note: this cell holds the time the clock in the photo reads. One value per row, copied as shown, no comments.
6:41
